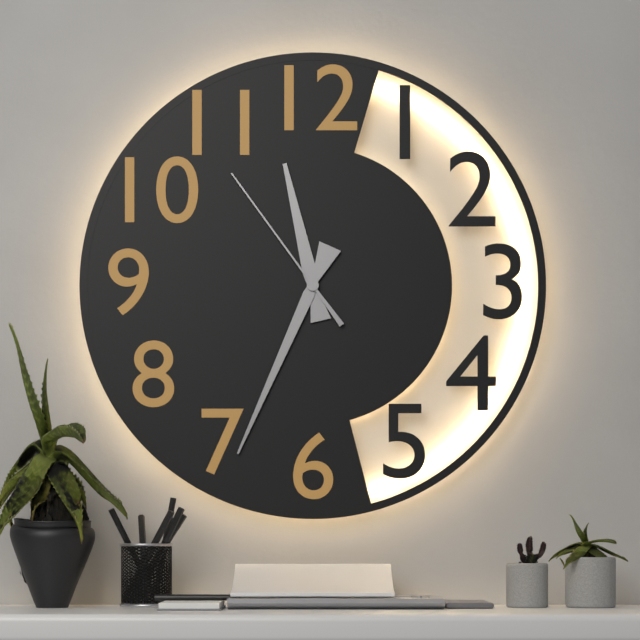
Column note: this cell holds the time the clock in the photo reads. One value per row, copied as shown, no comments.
11:34:54
